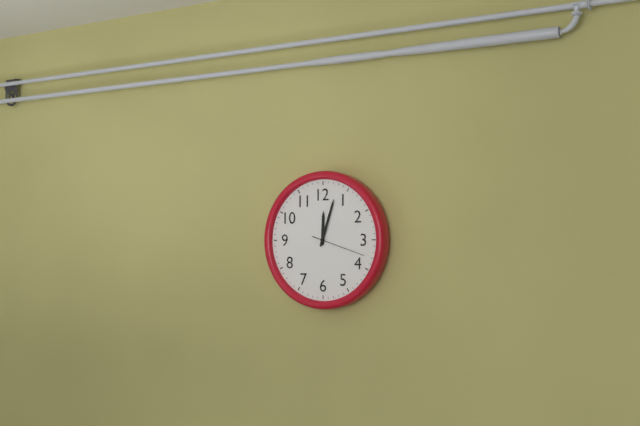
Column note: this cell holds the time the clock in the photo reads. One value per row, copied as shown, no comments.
12:03
